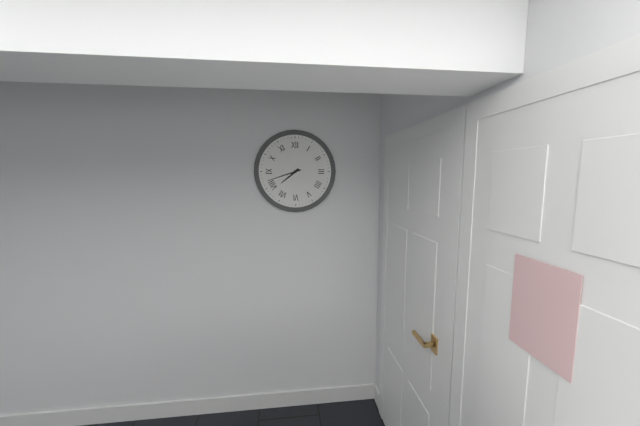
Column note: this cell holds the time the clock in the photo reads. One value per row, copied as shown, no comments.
7:42
